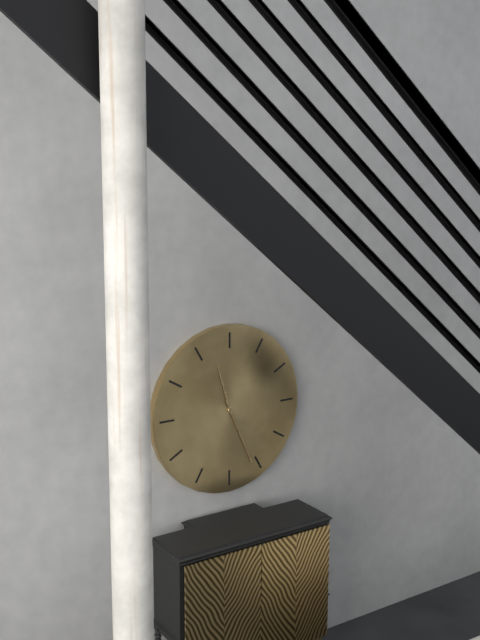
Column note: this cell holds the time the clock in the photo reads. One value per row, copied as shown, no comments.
11:26
